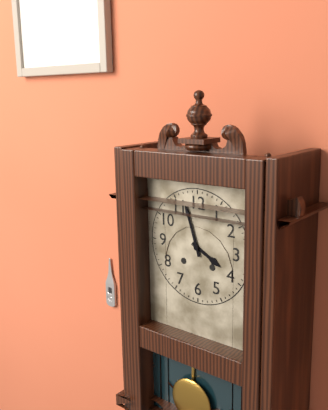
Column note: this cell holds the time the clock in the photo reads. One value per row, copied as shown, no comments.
3:57
